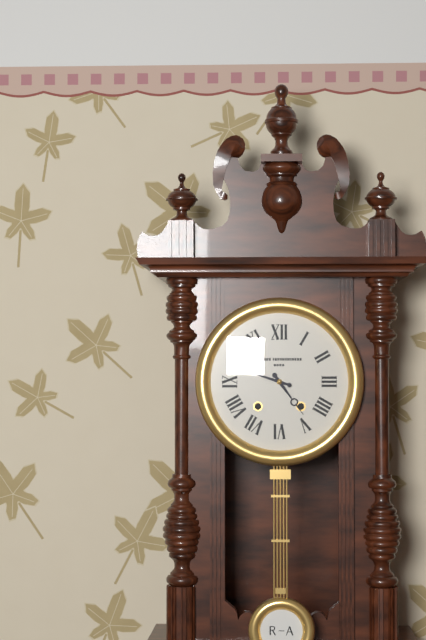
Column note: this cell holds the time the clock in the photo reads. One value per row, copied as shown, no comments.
4:48
